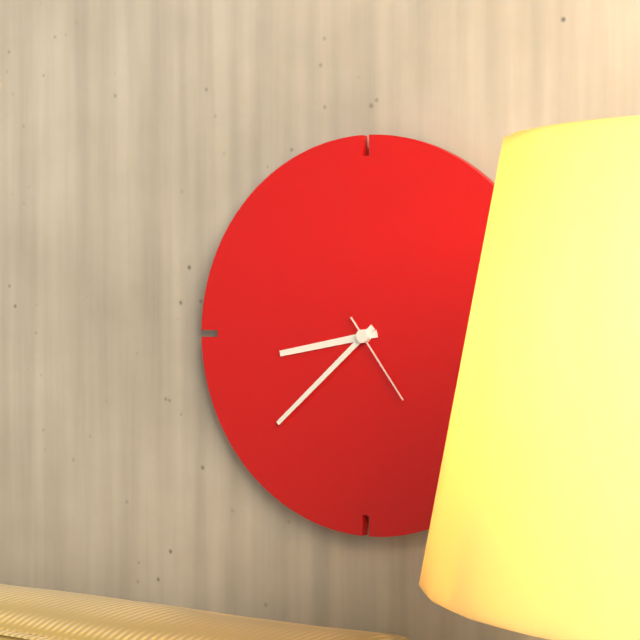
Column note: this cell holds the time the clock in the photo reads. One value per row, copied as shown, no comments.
8:38:24
